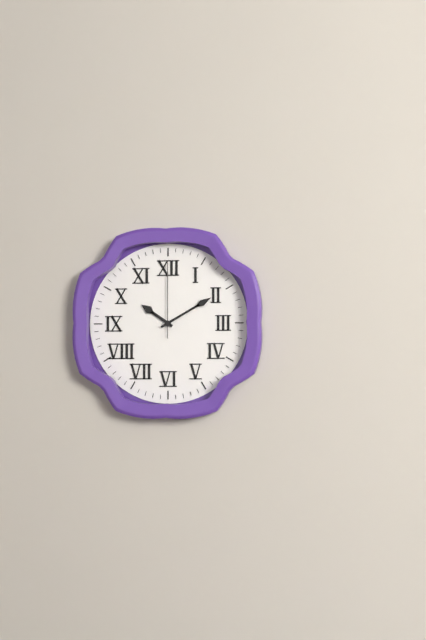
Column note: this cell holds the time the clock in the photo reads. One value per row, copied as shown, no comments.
10:10:00
